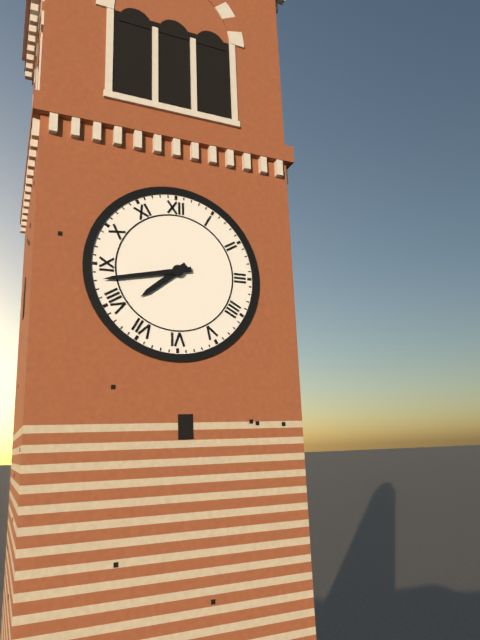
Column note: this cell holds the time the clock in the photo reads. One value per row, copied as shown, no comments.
7:43
